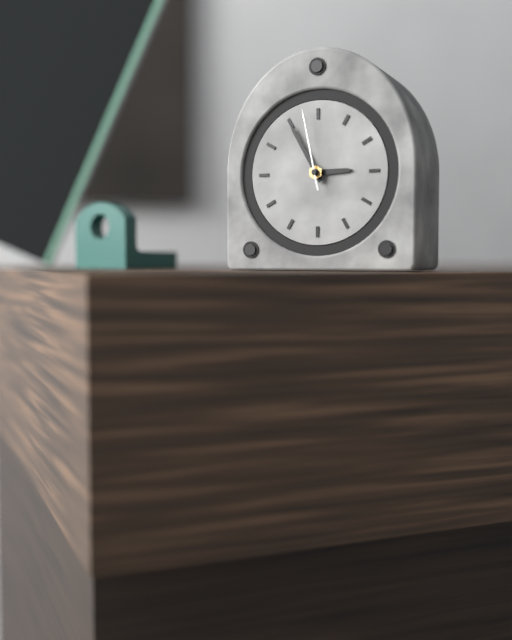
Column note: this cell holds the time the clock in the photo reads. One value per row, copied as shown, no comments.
2:55:58
